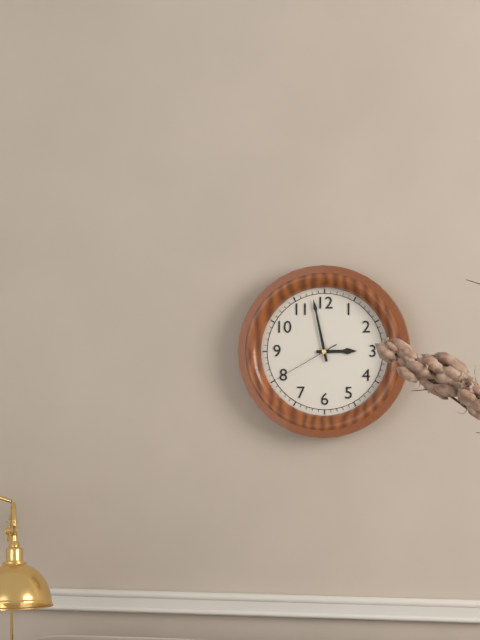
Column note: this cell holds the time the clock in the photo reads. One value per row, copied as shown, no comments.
2:58:40
